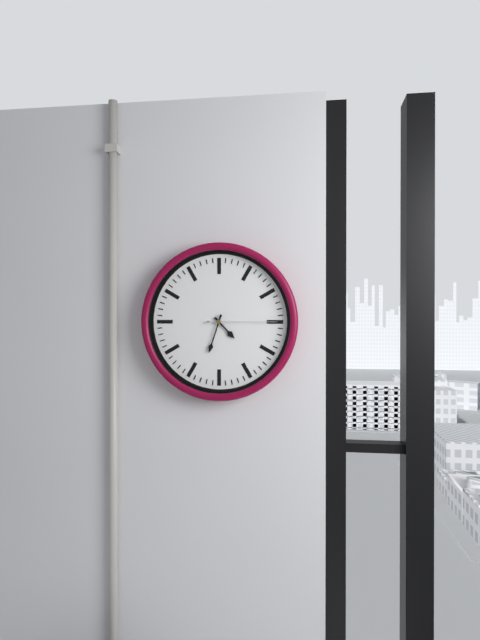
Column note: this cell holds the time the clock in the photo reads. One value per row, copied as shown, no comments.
4:33:15
